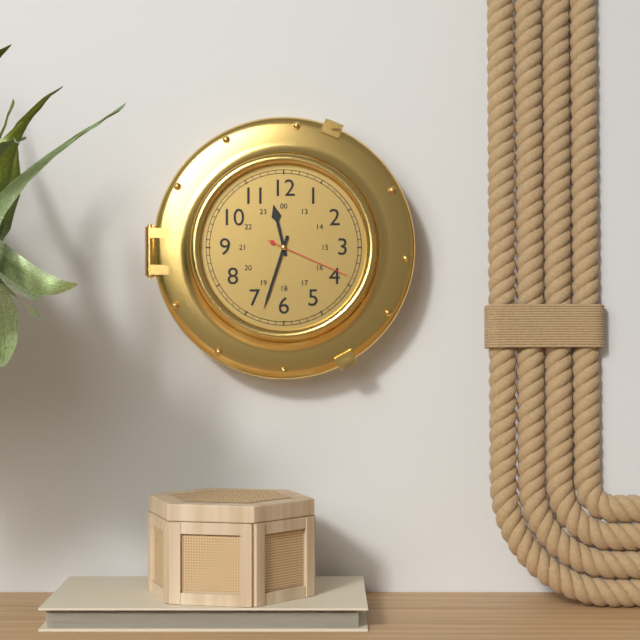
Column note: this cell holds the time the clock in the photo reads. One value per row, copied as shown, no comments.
11:33:19
